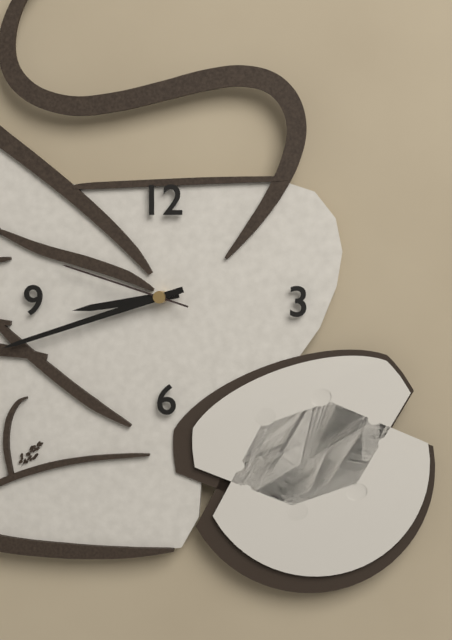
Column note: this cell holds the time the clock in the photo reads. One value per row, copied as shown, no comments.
8:42:48
